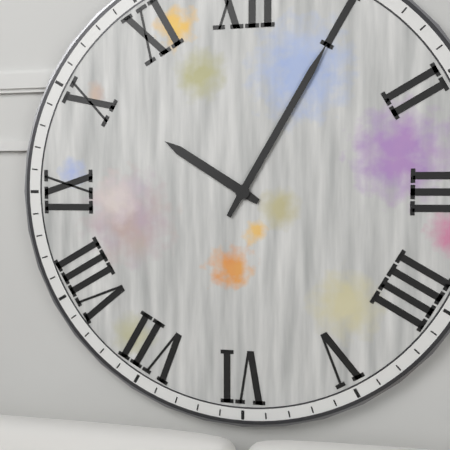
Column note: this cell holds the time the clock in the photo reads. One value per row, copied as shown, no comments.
10:05
